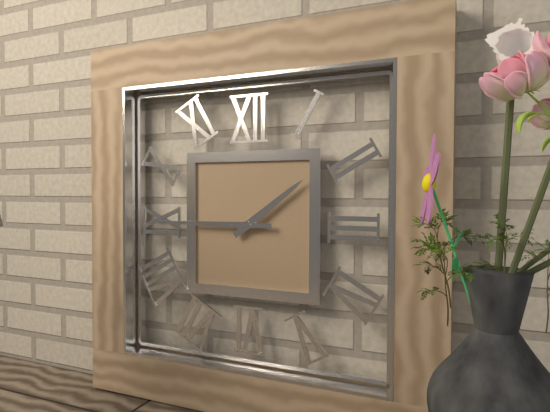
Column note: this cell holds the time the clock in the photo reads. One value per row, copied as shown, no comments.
1:45
